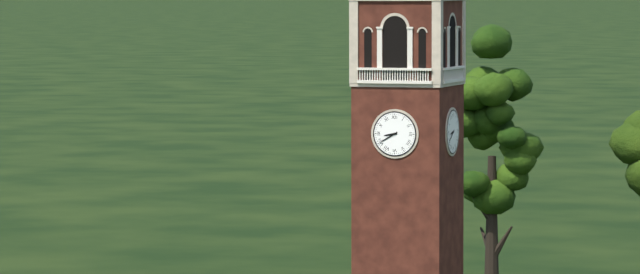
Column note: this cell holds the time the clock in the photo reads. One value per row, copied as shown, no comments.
8:40
